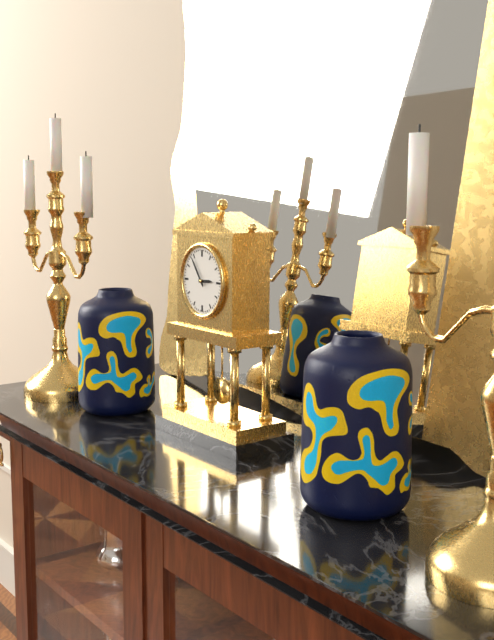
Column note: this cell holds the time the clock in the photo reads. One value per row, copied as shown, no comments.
2:54
